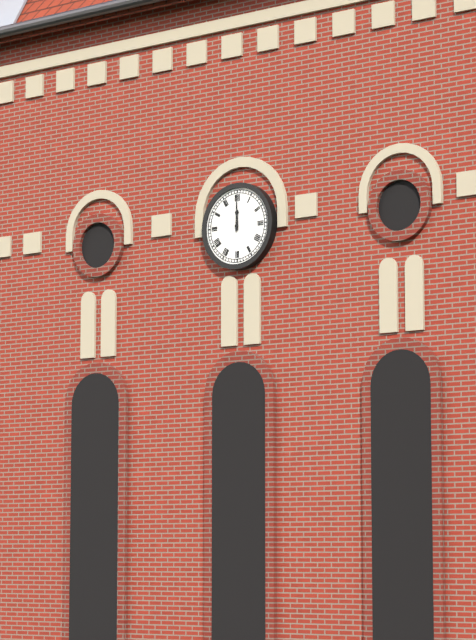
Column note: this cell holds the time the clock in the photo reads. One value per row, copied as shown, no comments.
12:00
